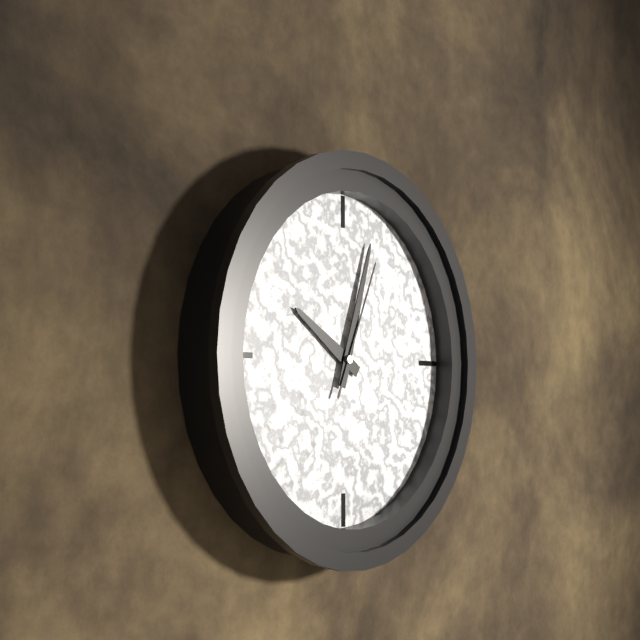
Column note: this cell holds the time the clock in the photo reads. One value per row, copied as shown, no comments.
10:03:04
